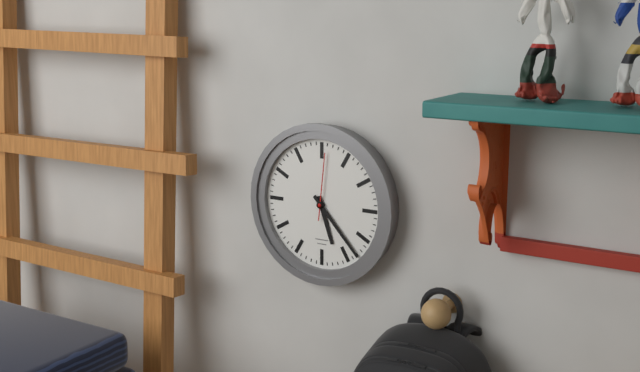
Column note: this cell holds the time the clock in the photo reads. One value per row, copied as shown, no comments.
5:23:01
